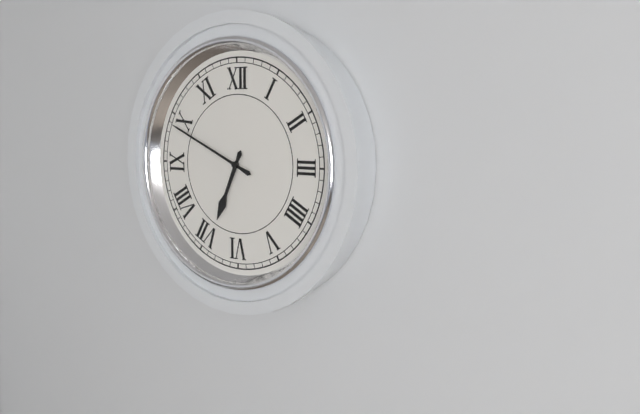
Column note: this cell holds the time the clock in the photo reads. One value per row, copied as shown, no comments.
6:49
